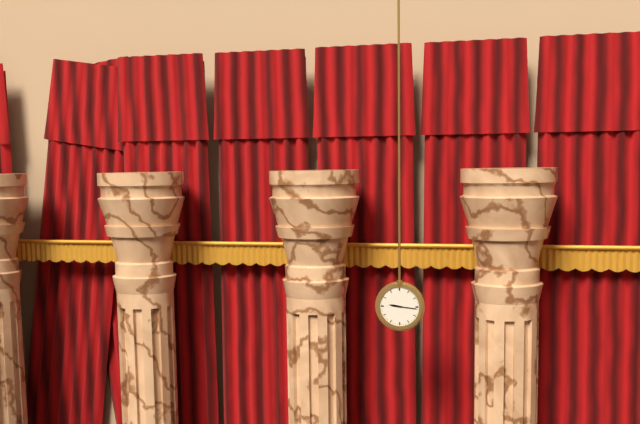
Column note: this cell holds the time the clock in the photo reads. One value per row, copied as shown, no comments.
9:16
